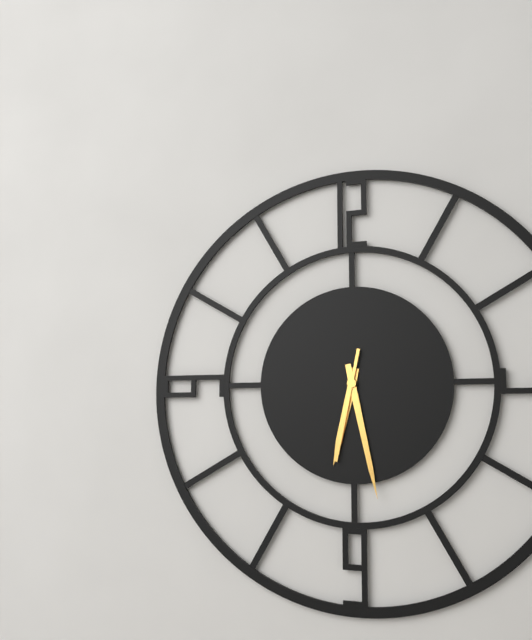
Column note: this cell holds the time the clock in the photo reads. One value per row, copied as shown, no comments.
6:28:32
